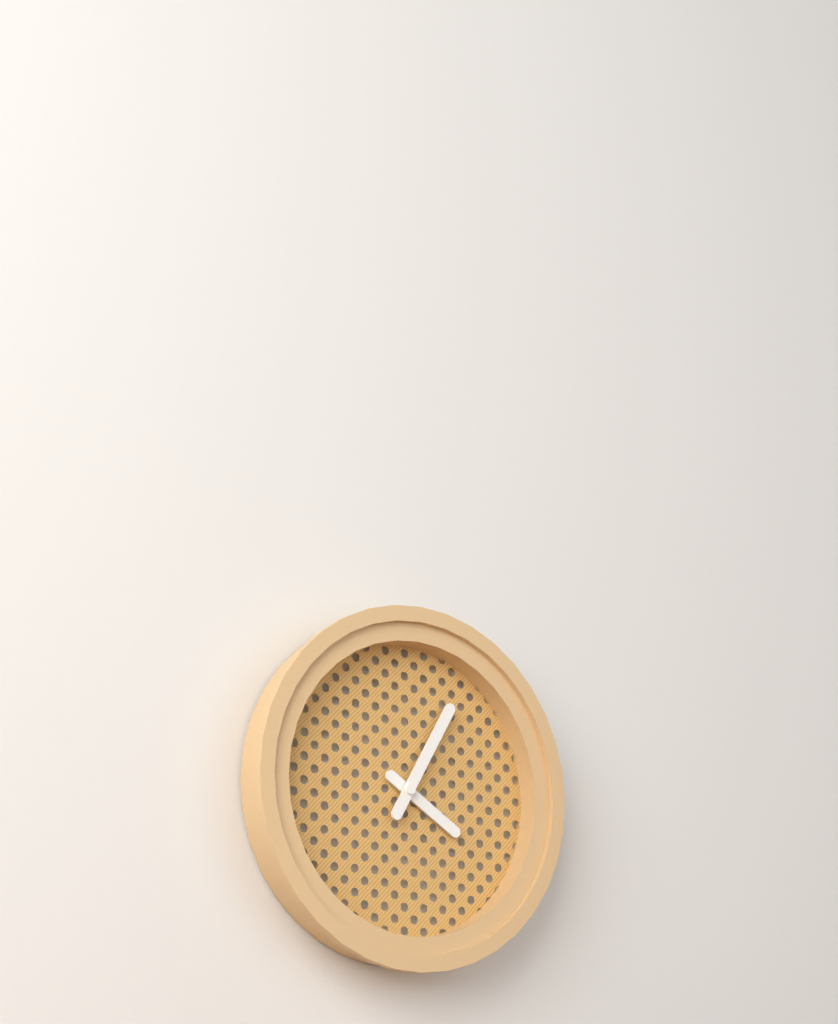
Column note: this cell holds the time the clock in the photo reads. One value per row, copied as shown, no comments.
4:05
